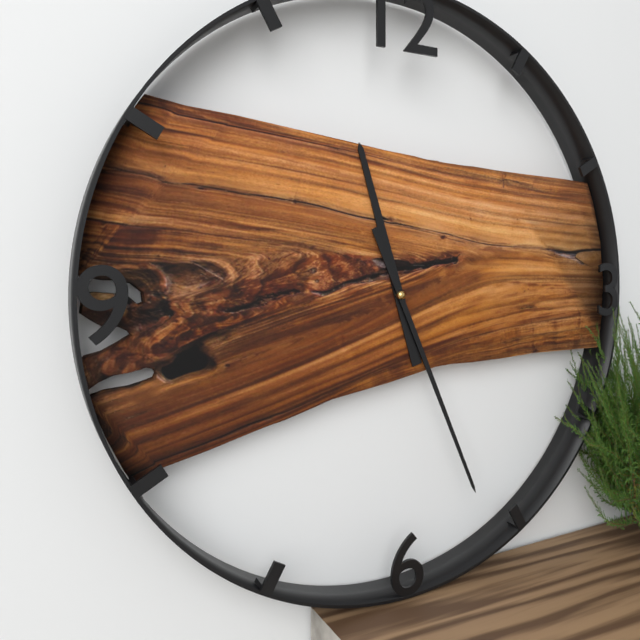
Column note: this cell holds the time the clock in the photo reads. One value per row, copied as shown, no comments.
11:26
